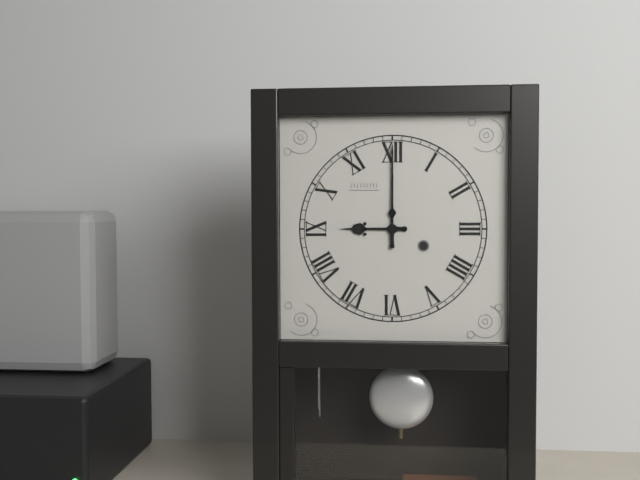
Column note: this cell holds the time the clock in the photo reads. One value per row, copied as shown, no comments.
9:00
